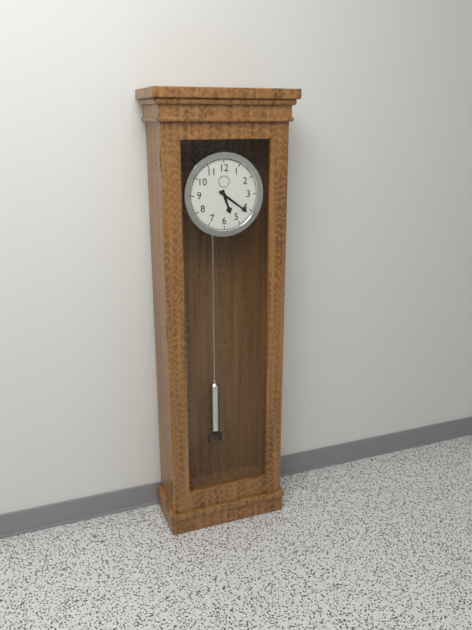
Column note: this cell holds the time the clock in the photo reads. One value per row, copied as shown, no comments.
5:21
